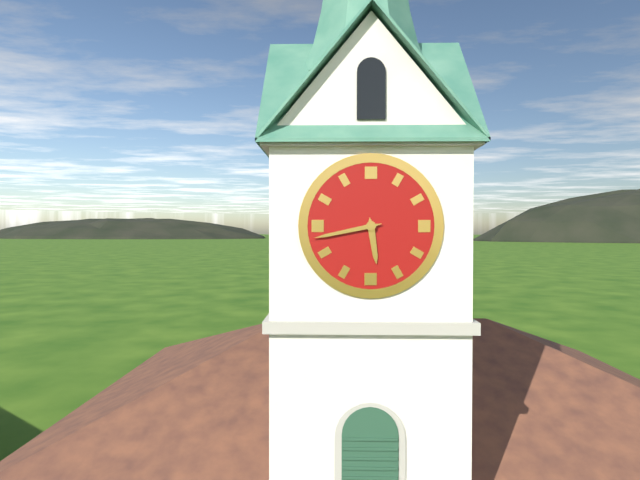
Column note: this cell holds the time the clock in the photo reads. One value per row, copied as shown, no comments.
5:43
